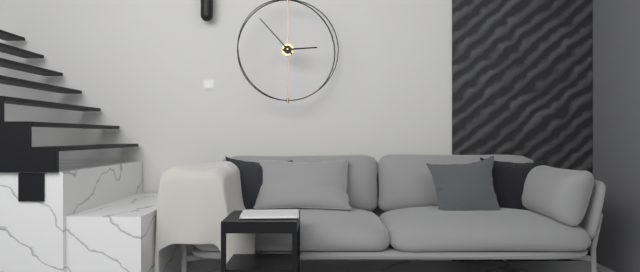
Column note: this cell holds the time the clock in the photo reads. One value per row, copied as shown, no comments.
2:53
